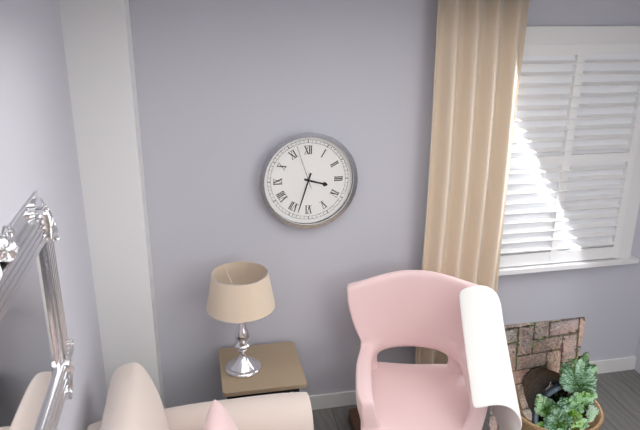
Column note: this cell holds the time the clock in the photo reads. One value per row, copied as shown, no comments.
3:33
